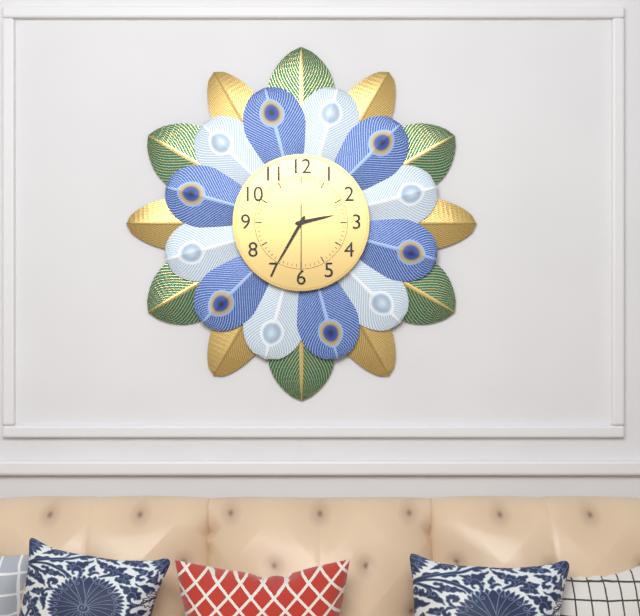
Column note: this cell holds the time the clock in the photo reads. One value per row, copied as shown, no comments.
2:35:30
